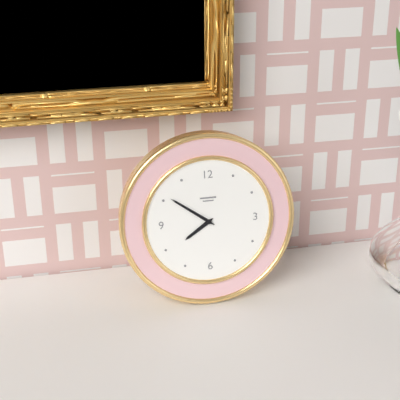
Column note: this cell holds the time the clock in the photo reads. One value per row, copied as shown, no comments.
7:51
